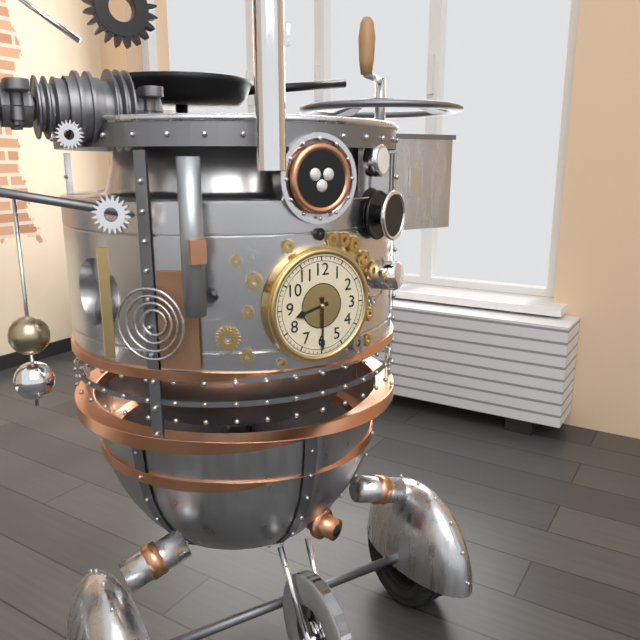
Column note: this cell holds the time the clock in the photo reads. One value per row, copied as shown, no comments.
8:30
